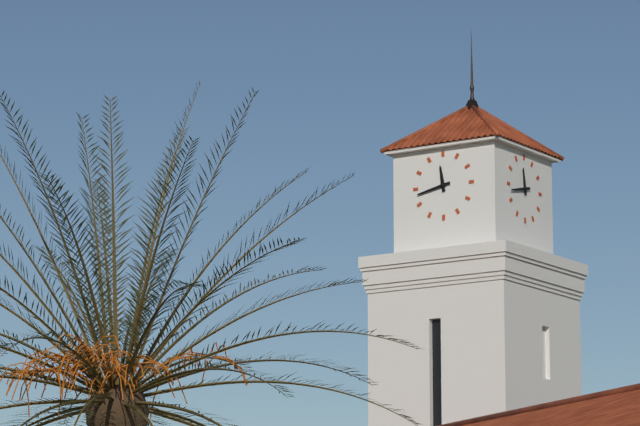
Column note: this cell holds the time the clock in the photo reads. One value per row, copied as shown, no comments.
11:43
